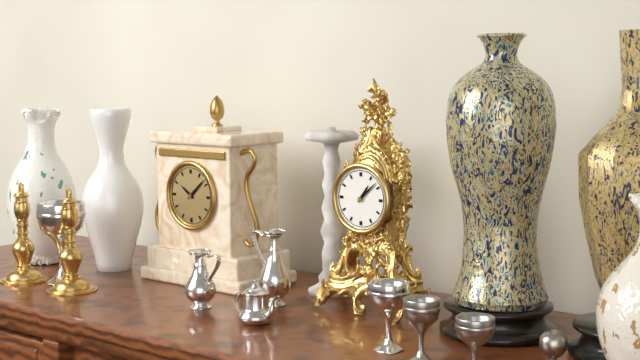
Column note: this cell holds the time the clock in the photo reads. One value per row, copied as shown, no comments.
1:08
